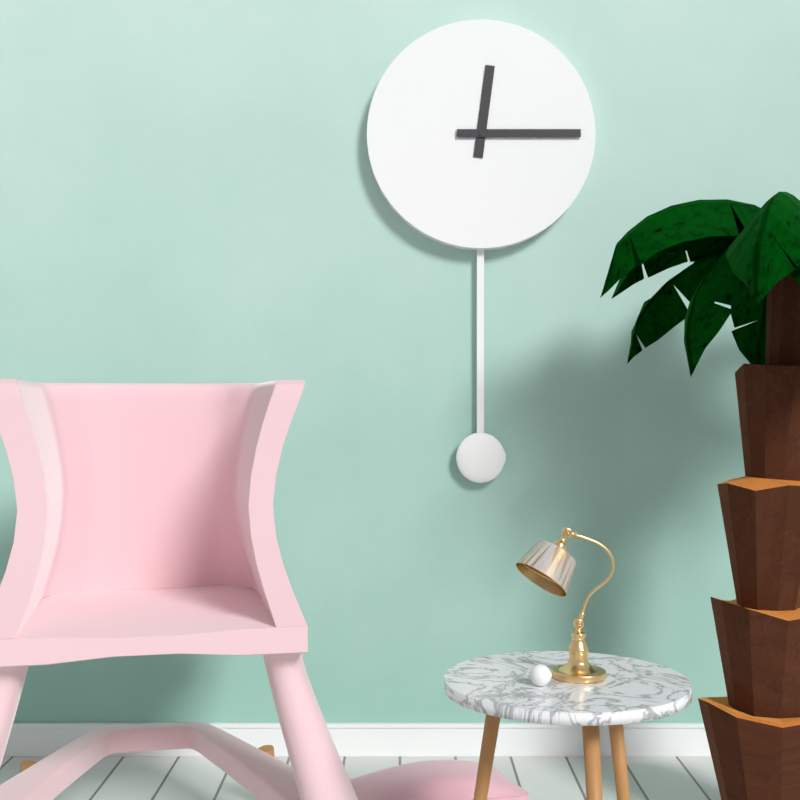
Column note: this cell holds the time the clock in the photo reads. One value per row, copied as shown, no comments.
12:15
